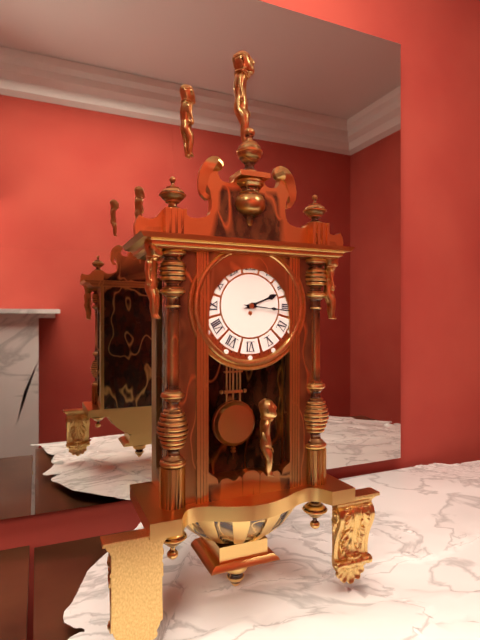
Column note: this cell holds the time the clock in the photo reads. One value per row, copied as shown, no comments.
2:16
